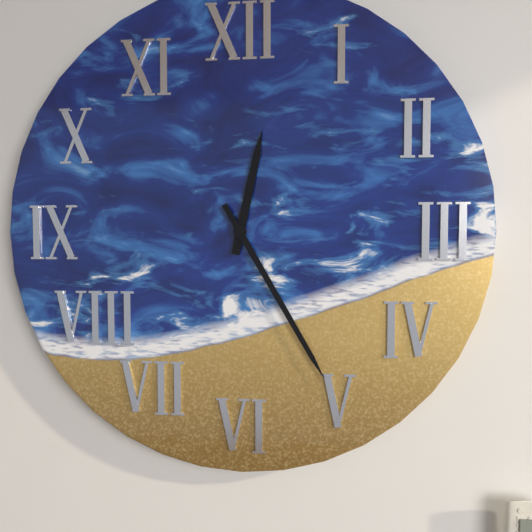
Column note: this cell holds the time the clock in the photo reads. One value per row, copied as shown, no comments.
12:25
